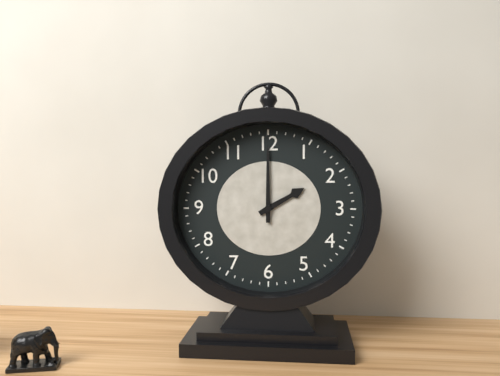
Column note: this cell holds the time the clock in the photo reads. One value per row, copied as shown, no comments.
2:00
